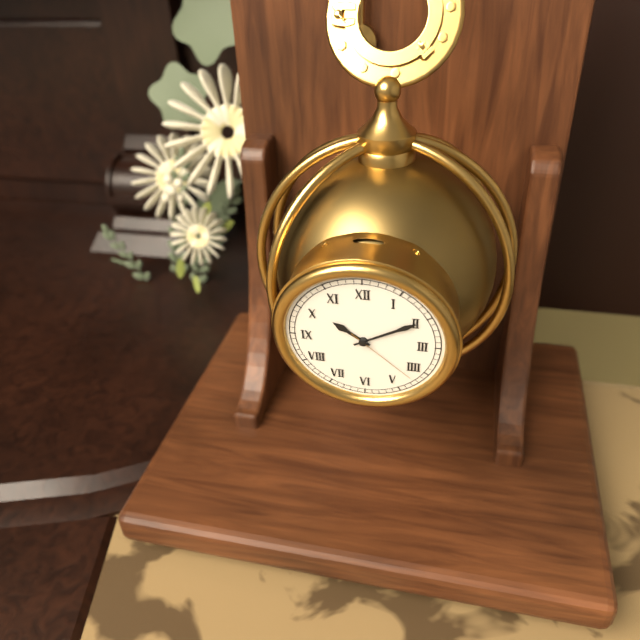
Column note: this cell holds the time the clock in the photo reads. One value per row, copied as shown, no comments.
10:10:22
